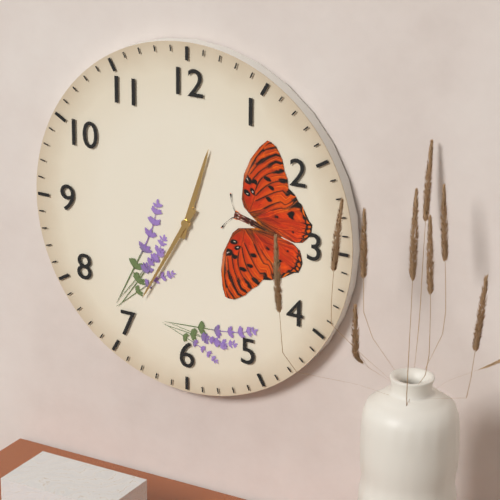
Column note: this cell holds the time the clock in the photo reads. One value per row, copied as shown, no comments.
12:35
